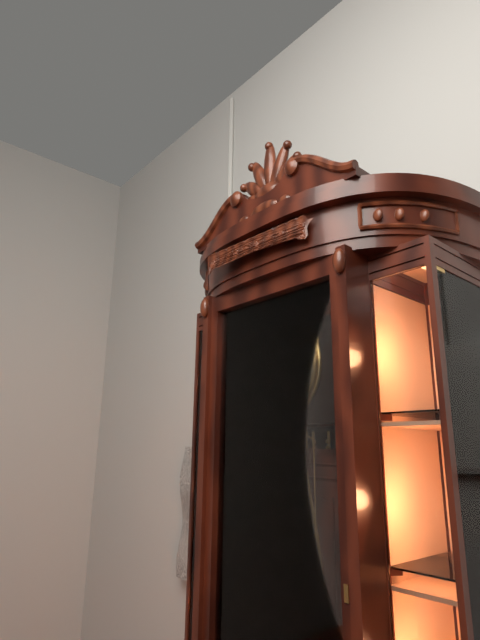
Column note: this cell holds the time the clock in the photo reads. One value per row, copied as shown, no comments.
2:31
